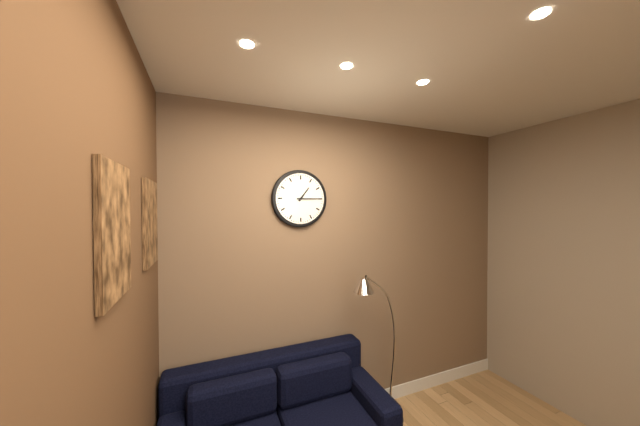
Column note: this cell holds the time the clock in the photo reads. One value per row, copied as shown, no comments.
1:15
